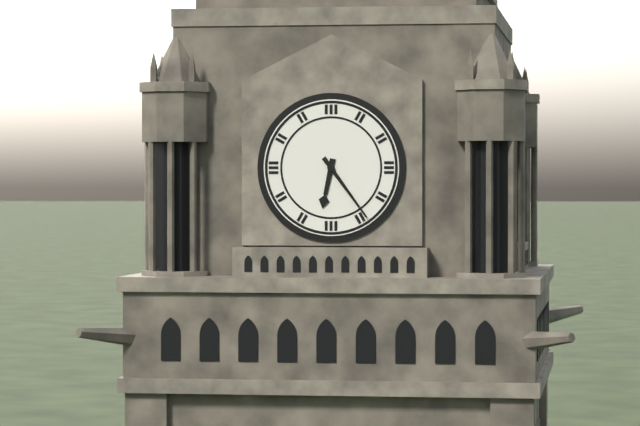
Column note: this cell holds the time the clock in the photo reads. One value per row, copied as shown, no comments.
6:24
